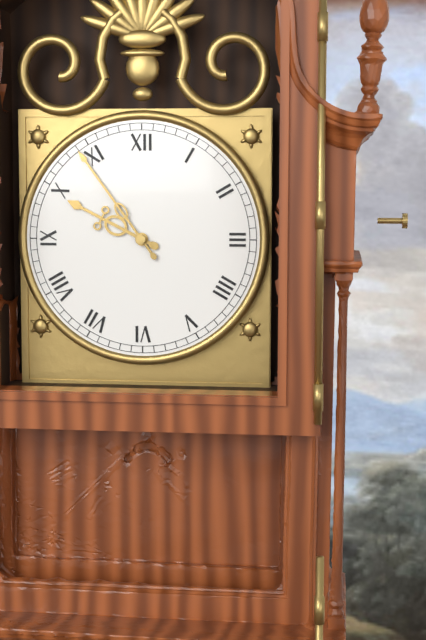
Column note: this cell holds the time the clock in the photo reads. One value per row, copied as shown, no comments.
9:54
